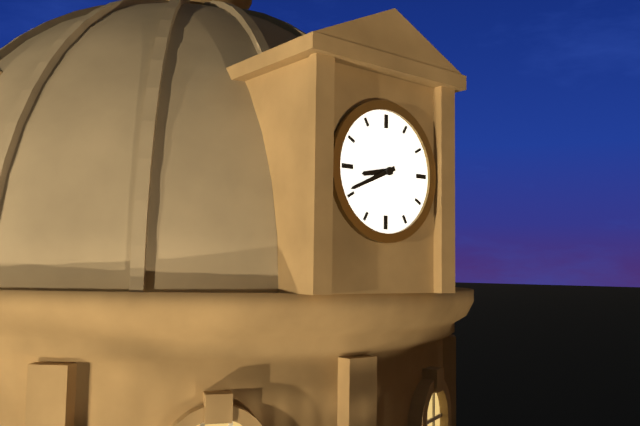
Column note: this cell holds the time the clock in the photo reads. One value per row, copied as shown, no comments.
8:41
